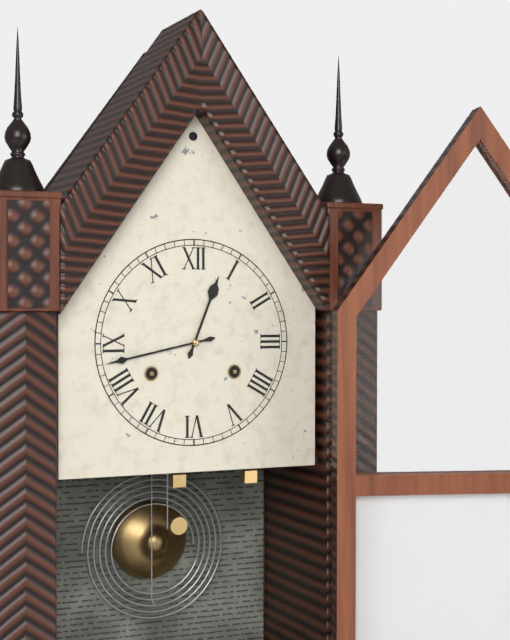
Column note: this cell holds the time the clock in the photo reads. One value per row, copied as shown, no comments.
12:43
